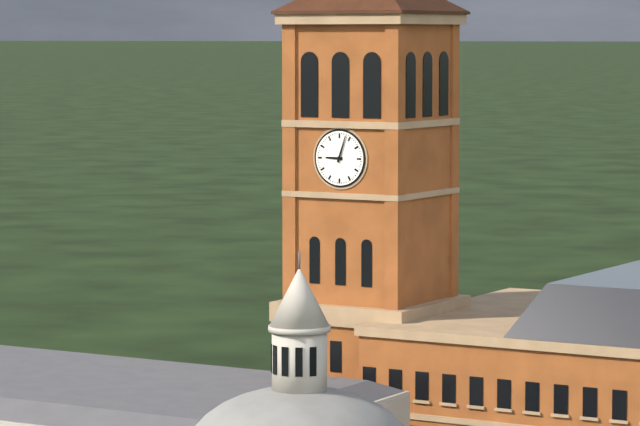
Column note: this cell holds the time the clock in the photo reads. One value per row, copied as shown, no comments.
9:03
